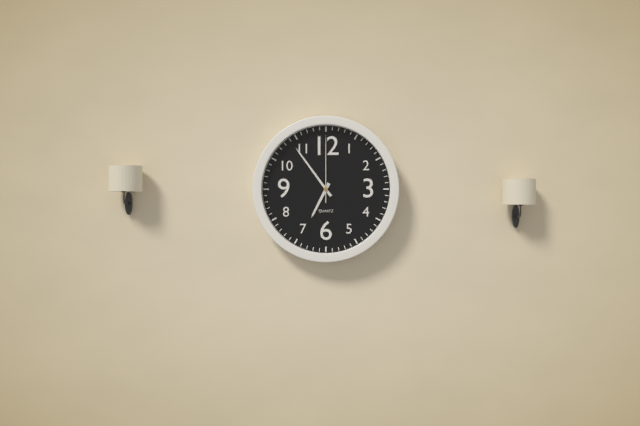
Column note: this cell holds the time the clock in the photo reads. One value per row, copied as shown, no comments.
6:54:00
